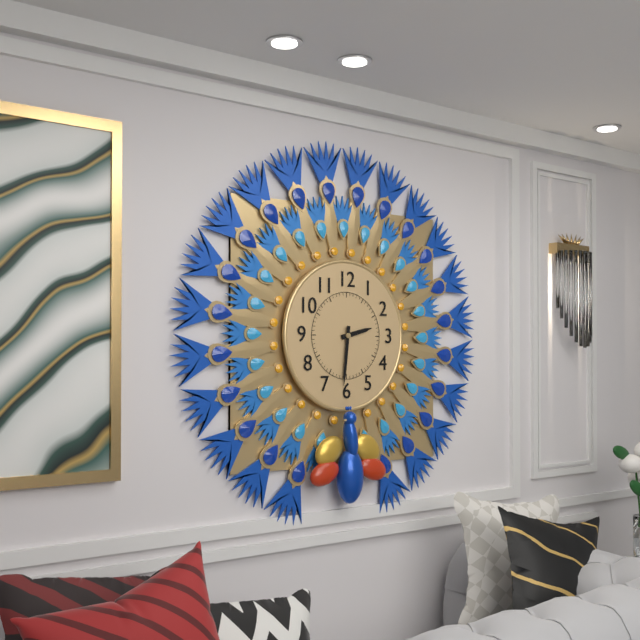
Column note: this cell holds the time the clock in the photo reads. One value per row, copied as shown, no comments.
2:31
